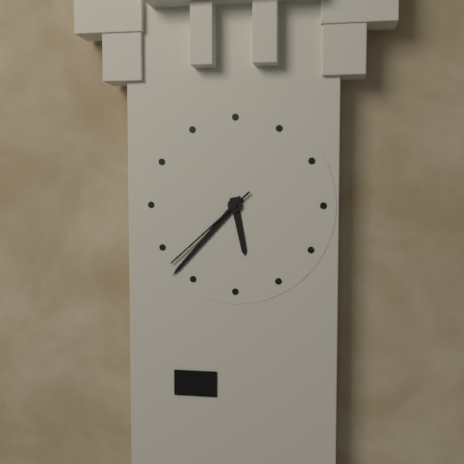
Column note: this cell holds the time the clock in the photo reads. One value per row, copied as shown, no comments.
5:37:38
